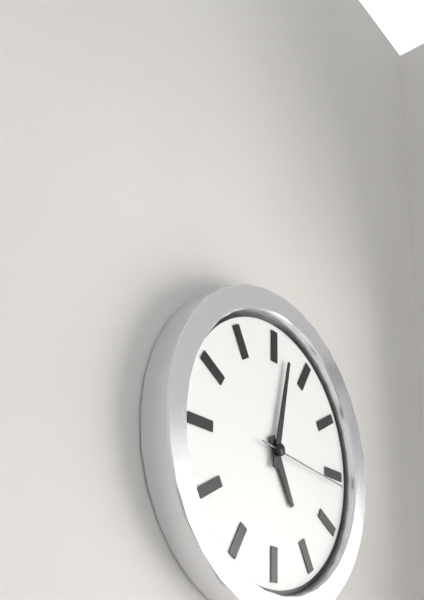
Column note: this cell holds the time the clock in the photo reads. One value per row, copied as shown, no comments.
5:02:16
